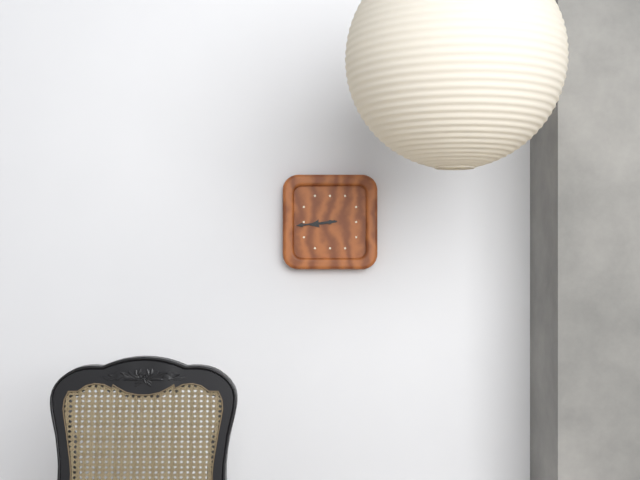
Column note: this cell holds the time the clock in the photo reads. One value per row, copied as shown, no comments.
8:44
